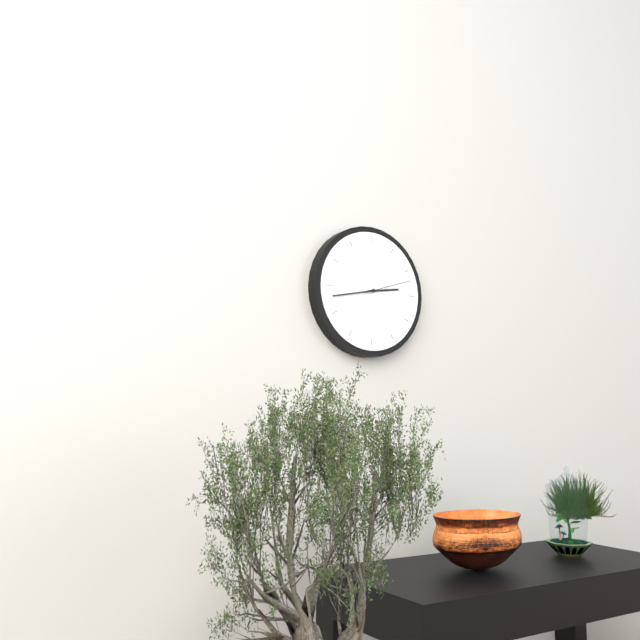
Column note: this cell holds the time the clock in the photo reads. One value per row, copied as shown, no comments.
2:43
